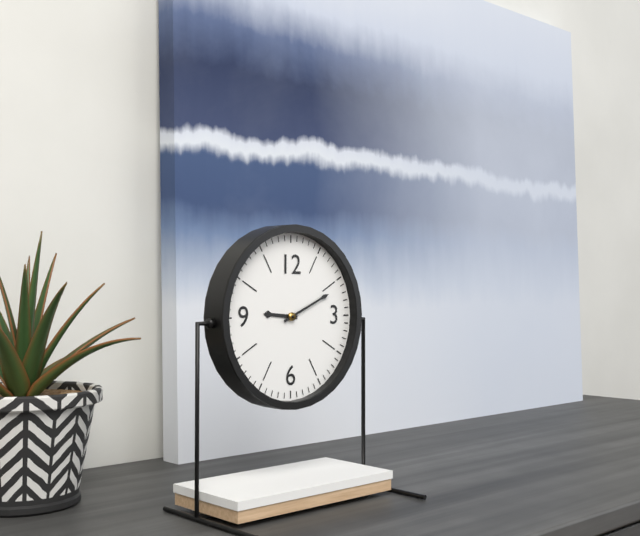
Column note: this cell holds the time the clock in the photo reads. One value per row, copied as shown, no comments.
9:11
